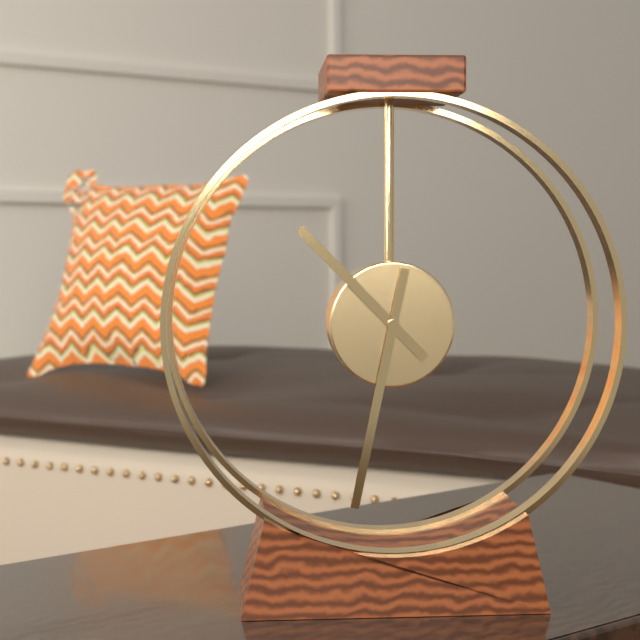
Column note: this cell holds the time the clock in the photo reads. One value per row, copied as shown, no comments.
10:32
